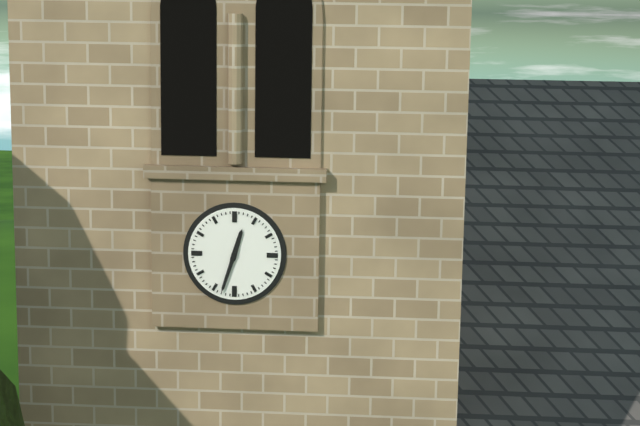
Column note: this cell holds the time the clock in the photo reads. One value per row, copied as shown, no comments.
12:33
